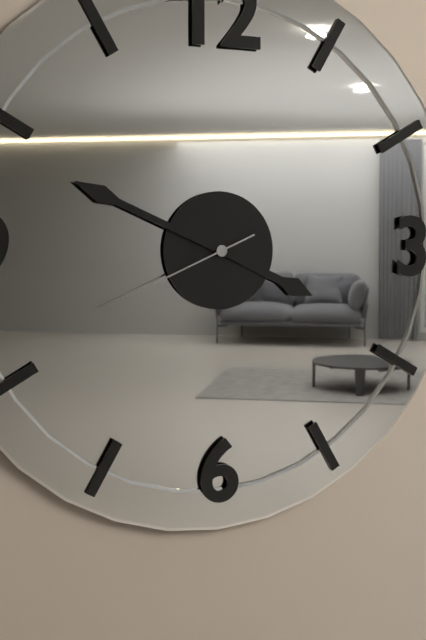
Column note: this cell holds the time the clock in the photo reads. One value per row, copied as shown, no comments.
3:49:41
